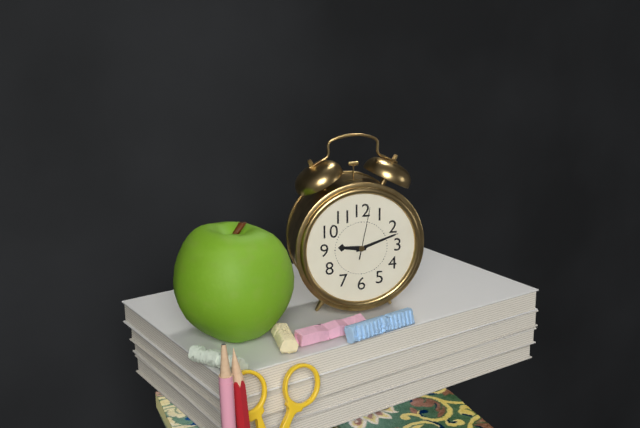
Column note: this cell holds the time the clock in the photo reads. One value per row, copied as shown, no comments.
9:12:02
